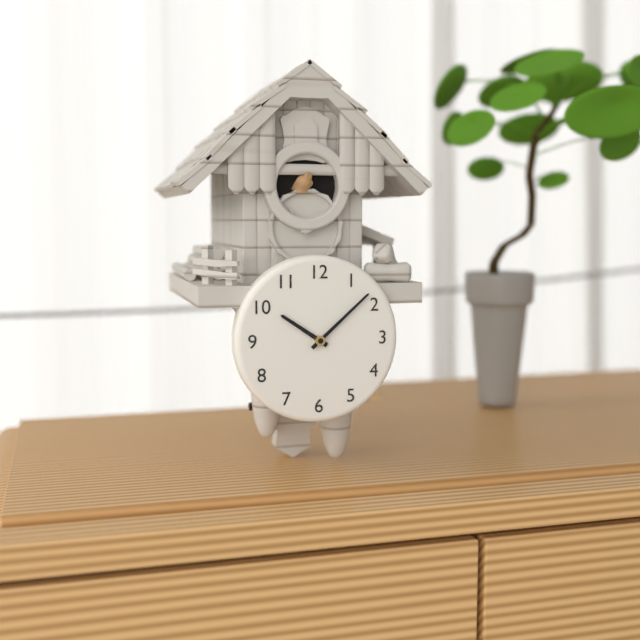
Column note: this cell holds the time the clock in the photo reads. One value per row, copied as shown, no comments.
10:08
